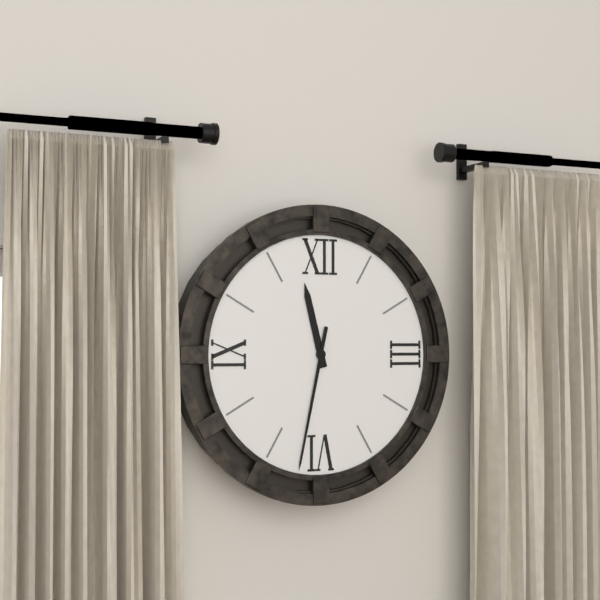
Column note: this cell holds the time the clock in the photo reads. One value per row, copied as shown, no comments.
11:32
